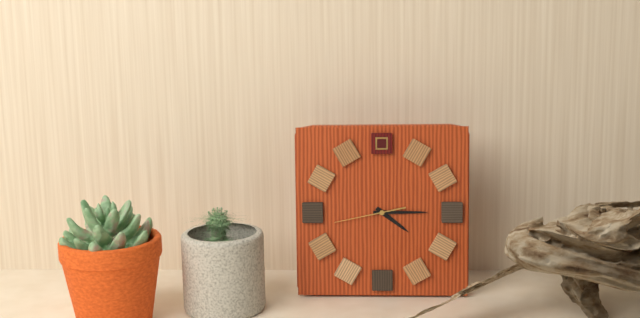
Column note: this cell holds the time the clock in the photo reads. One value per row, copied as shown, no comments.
4:15:43
